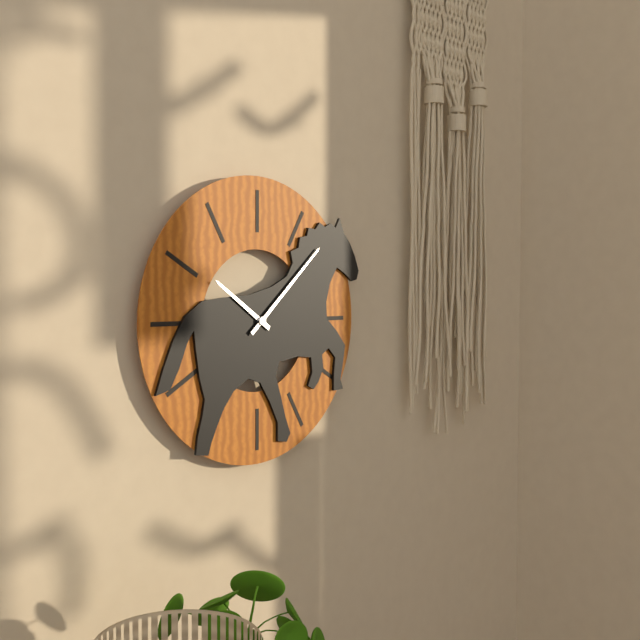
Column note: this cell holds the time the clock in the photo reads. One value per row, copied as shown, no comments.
10:08
